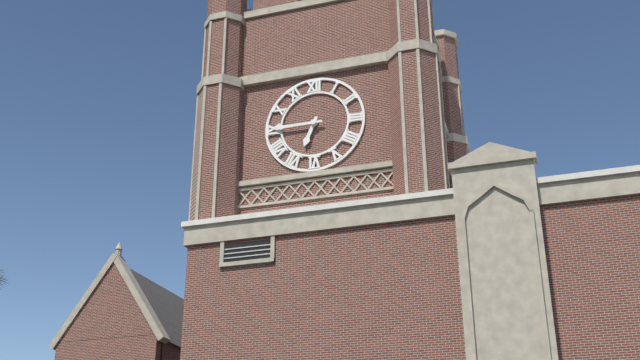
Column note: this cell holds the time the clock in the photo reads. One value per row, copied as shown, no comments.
6:45
